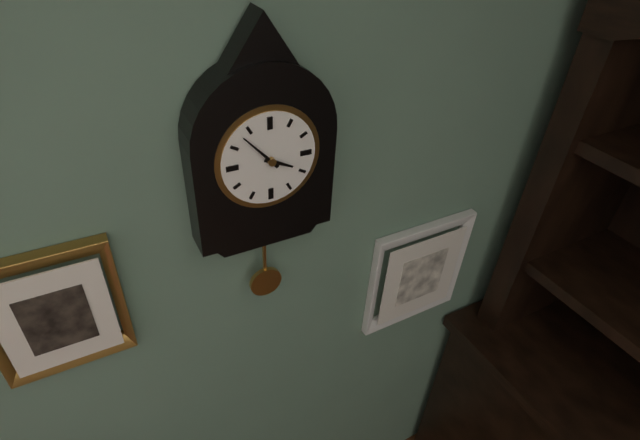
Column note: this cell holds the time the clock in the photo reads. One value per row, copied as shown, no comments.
3:53
